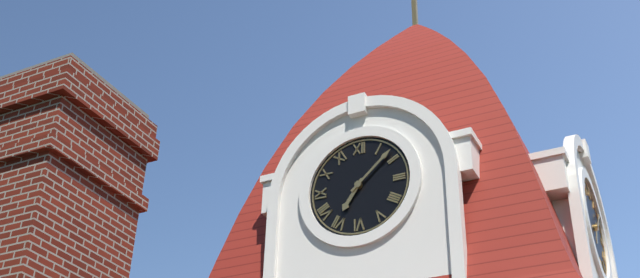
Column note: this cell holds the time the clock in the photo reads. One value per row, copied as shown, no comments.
7:08
